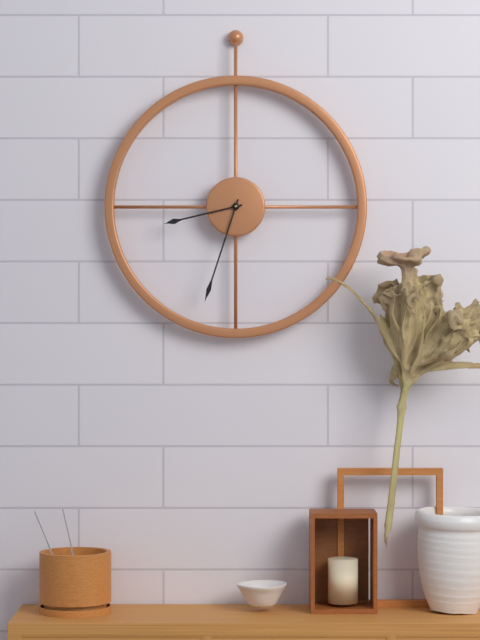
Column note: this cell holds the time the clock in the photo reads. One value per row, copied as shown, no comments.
8:33
